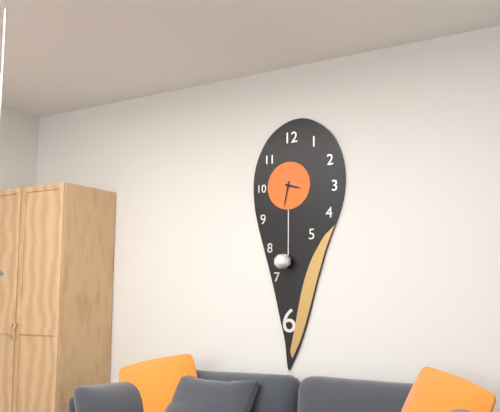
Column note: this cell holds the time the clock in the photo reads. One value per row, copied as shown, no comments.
3:32
